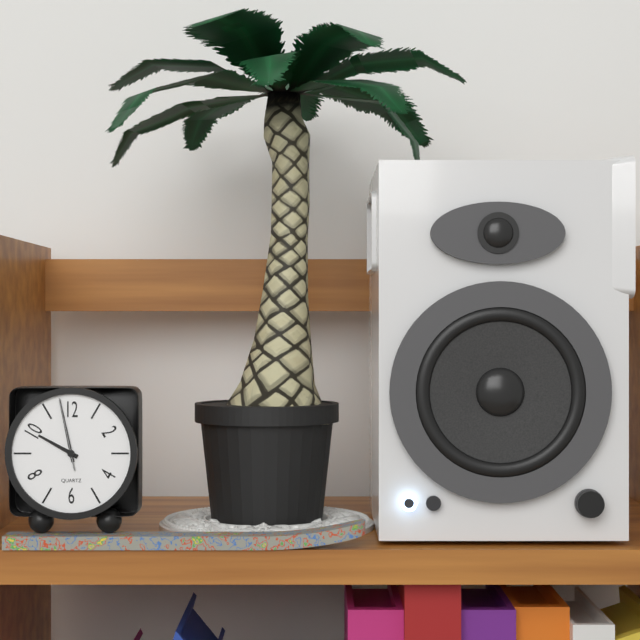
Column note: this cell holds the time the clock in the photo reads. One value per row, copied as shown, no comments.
9:58:58
